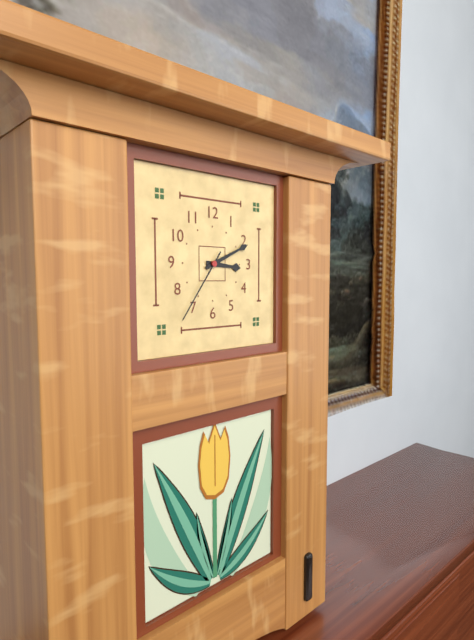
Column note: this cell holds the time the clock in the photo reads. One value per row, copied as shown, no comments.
3:11:36
